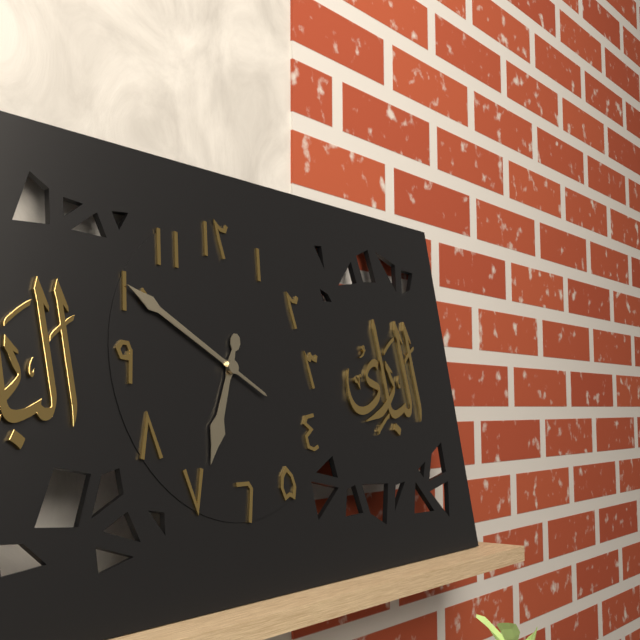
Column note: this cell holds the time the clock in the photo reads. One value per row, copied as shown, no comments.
6:50
